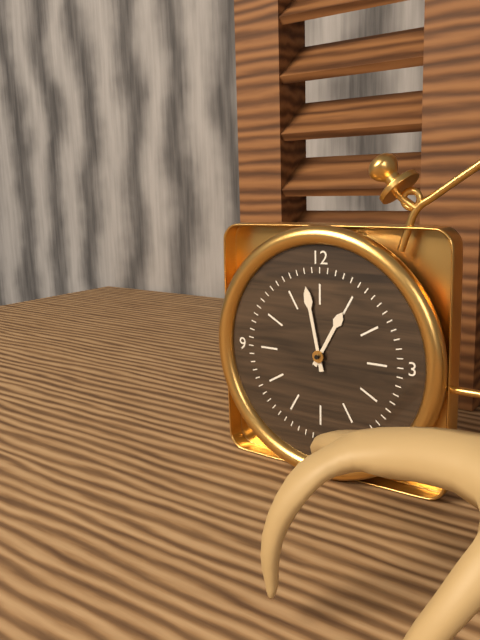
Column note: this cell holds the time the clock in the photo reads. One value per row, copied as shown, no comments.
12:58
